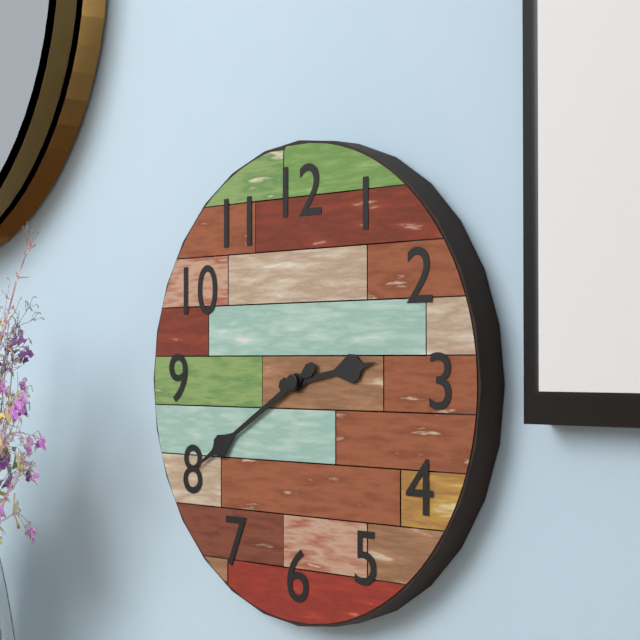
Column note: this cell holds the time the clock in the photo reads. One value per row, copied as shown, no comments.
2:40
